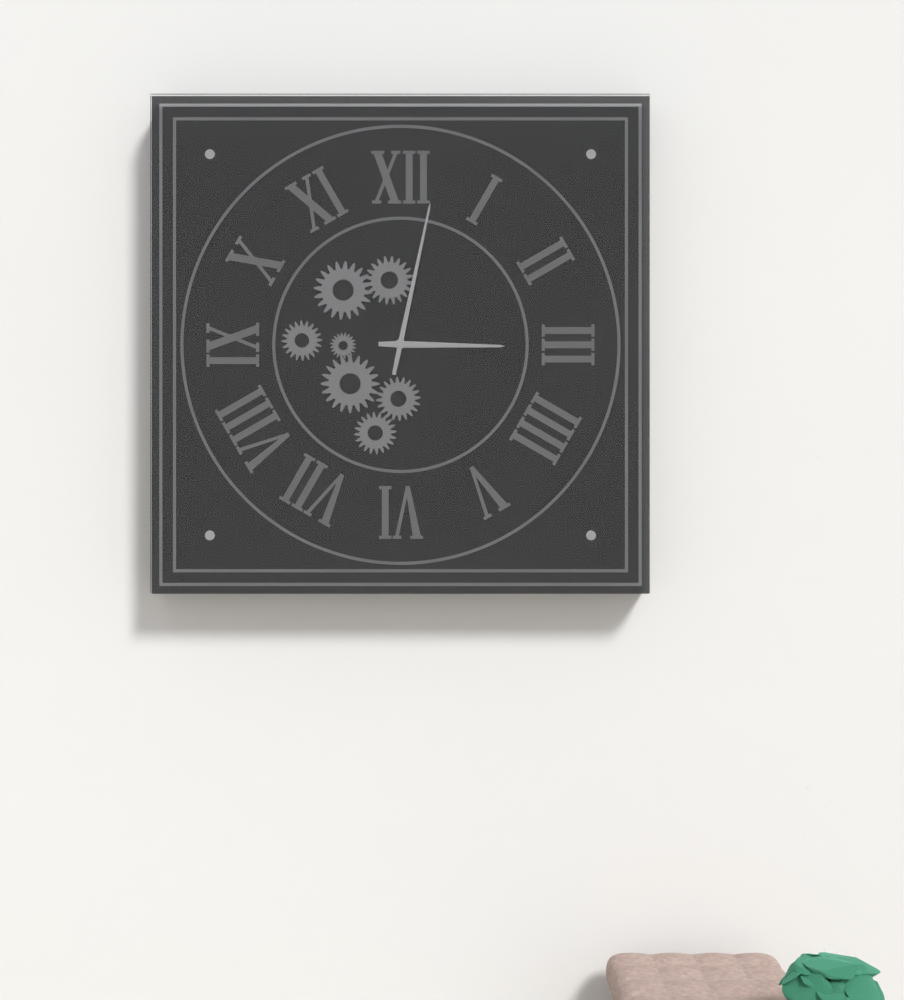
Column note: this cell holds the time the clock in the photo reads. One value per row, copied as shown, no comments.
3:02
